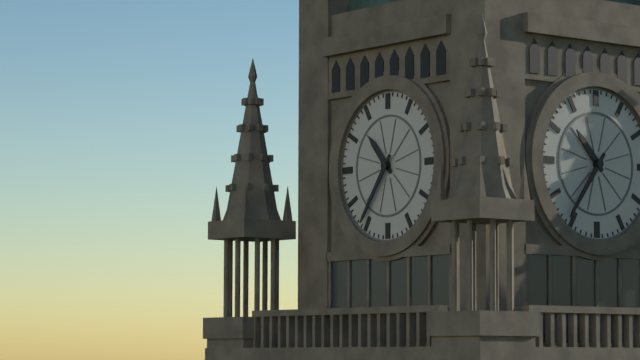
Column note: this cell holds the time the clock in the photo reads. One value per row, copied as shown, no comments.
10:36
